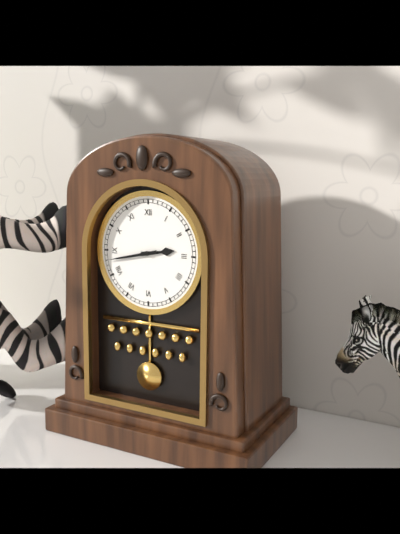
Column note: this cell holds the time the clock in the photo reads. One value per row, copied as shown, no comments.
2:43
